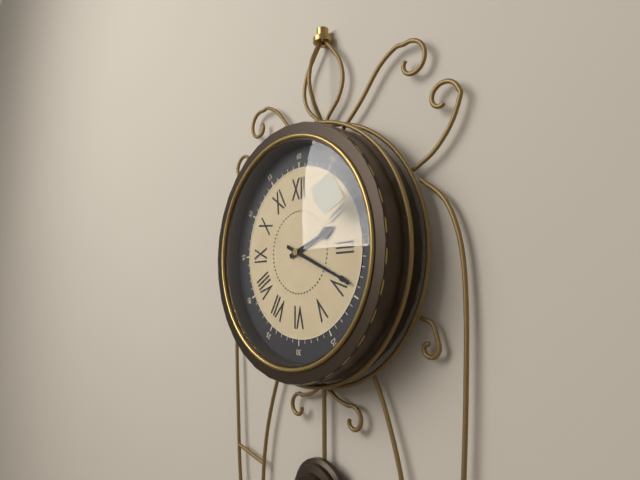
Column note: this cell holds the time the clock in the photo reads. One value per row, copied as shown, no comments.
2:19
